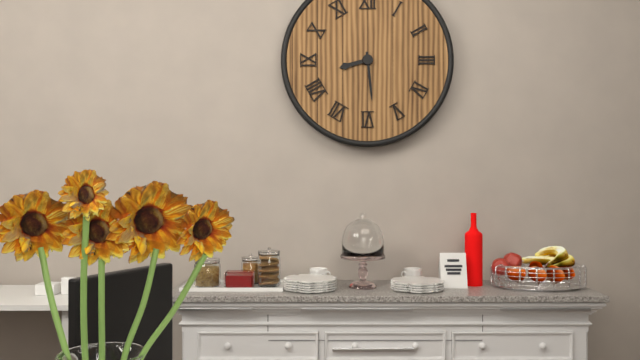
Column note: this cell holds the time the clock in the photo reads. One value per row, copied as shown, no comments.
8:29
